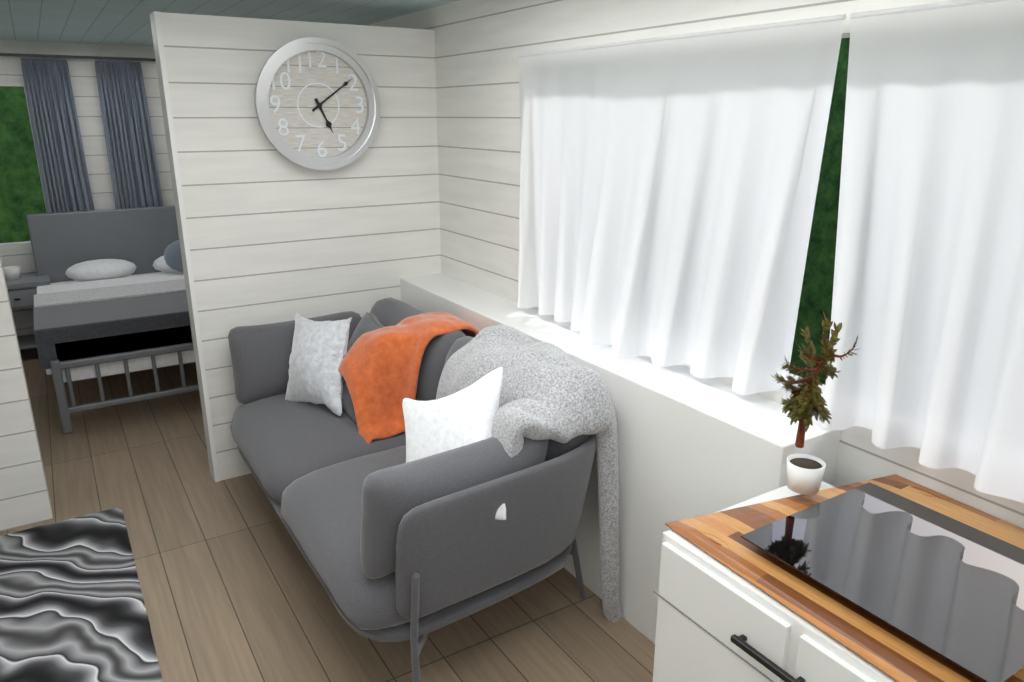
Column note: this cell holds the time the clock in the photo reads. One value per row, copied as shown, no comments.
5:09
